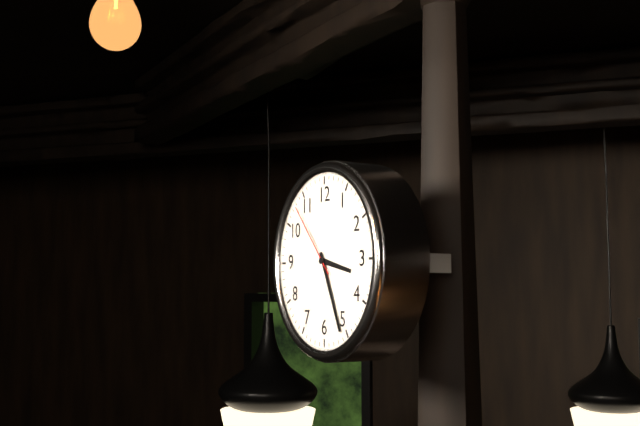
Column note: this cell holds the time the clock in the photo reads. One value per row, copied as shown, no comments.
3:26:53
